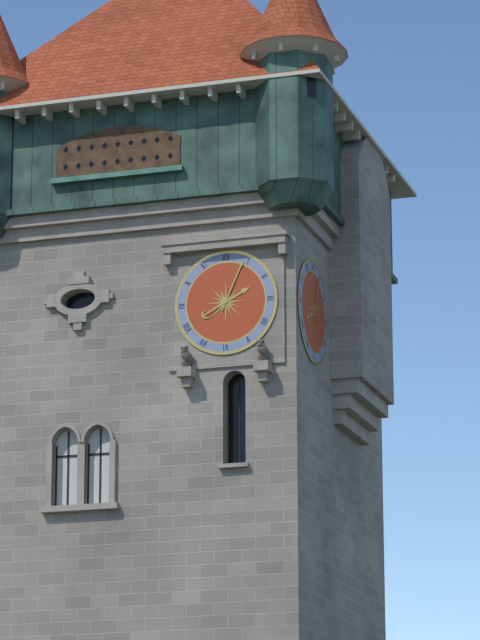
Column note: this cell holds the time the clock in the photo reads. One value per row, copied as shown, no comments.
2:04
